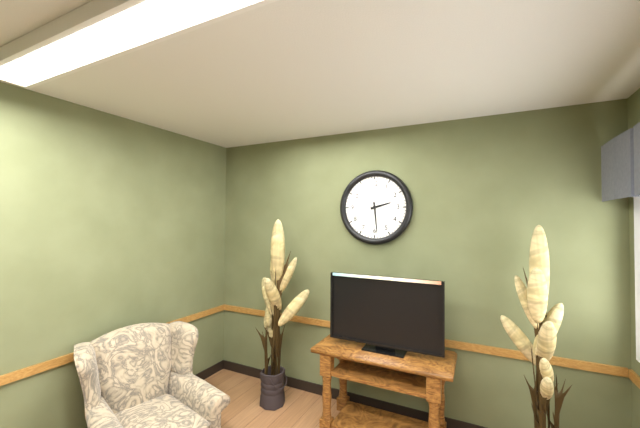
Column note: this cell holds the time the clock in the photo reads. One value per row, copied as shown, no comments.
2:29
